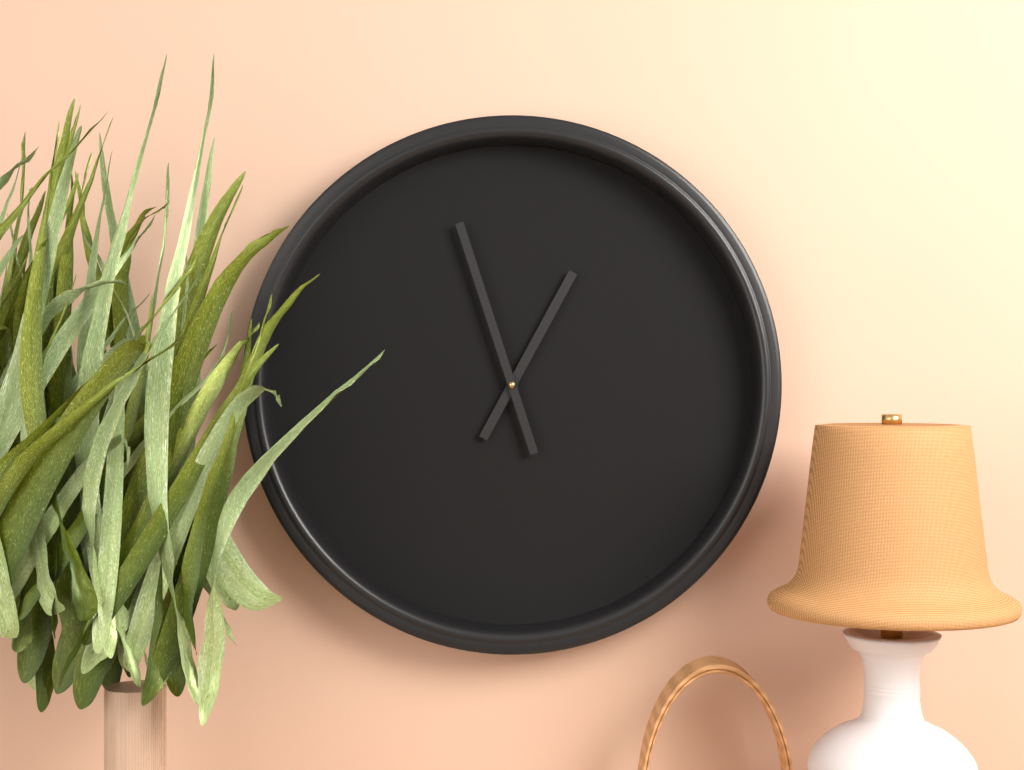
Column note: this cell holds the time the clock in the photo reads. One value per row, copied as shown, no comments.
12:57
